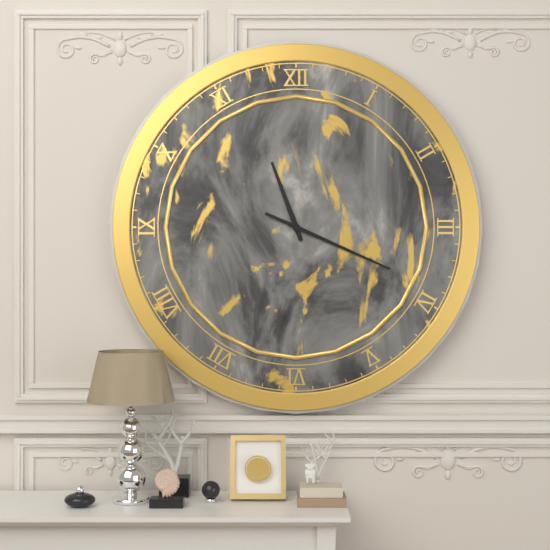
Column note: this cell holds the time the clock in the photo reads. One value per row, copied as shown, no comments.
11:19
